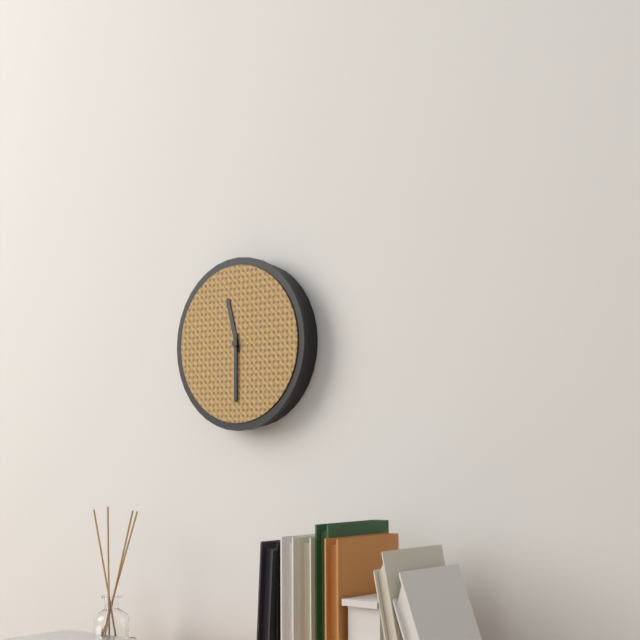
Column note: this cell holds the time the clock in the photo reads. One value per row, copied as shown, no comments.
11:30
